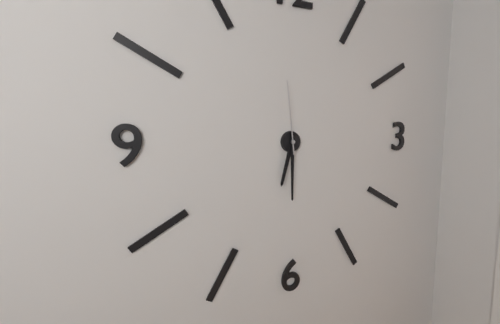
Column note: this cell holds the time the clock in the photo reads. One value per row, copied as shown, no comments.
6:30:59
